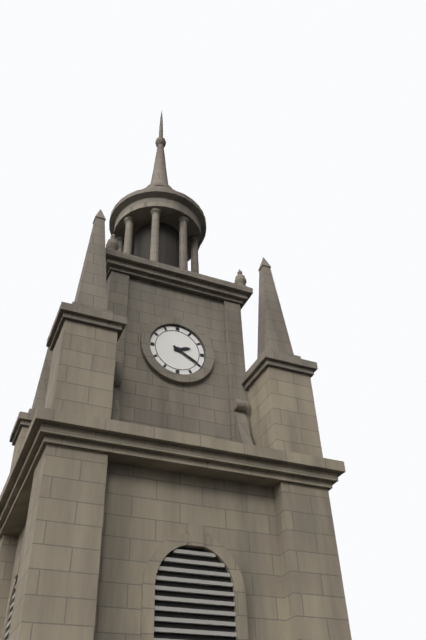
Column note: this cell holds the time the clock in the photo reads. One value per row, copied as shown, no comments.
2:20
